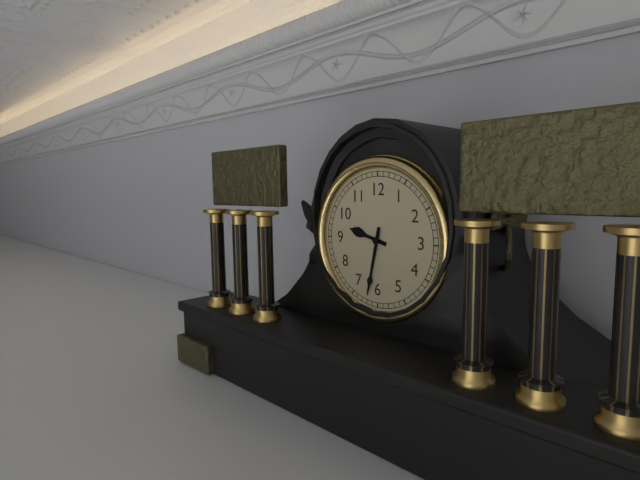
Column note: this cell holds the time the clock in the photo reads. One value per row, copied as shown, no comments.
9:32
